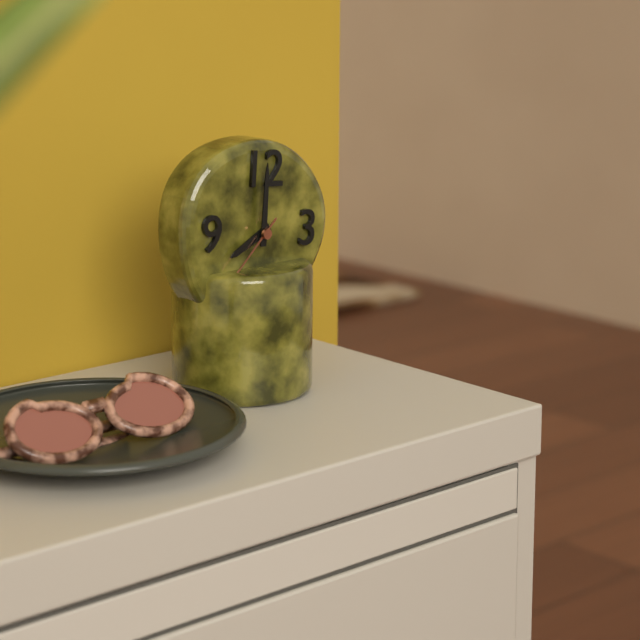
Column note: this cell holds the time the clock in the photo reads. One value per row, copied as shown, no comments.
8:00
